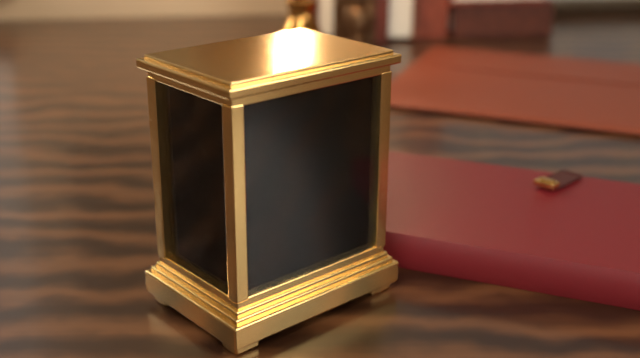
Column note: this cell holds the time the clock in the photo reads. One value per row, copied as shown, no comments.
7:12
